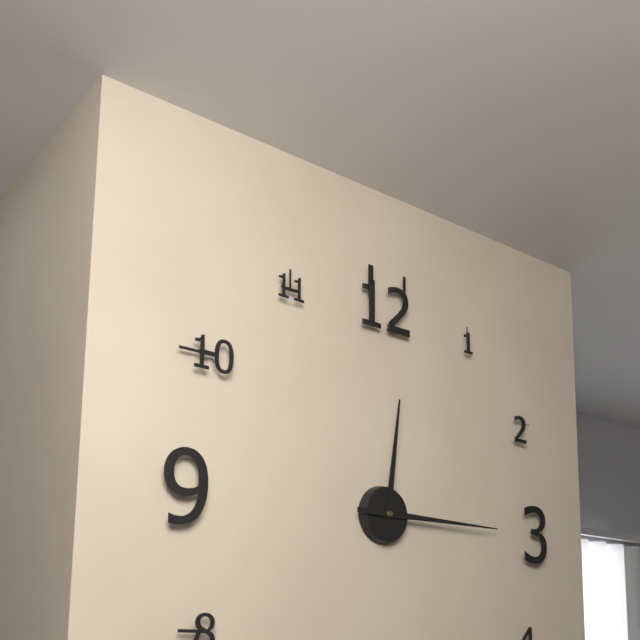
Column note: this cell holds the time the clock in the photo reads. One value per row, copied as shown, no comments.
12:15
